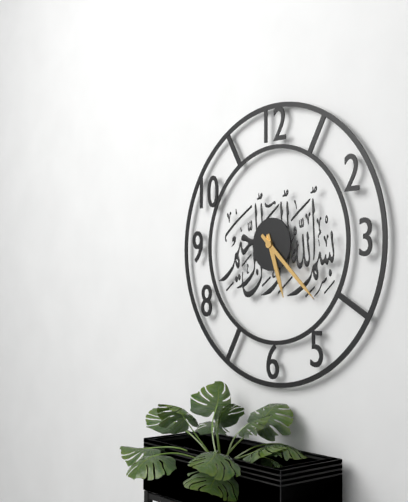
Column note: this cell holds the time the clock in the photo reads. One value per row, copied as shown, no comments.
5:22
